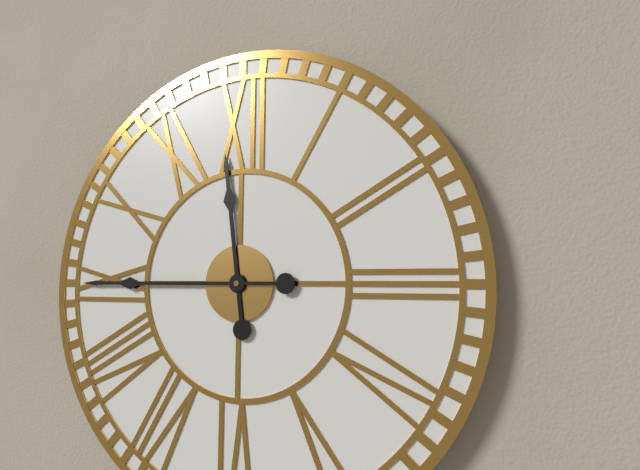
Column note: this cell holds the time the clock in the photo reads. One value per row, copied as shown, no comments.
11:45
